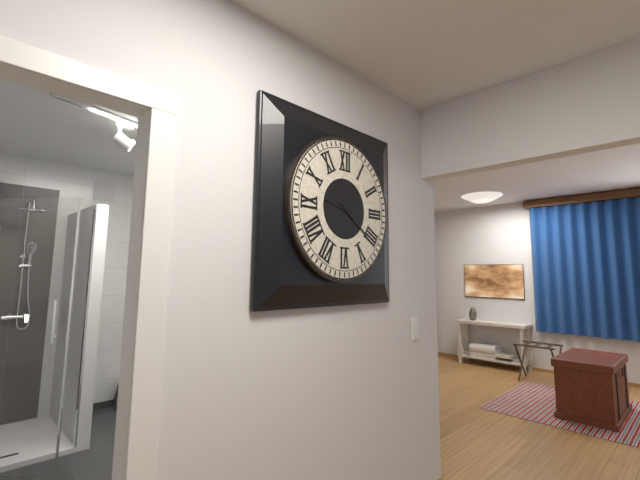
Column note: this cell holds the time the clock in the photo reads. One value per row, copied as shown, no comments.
9:21
